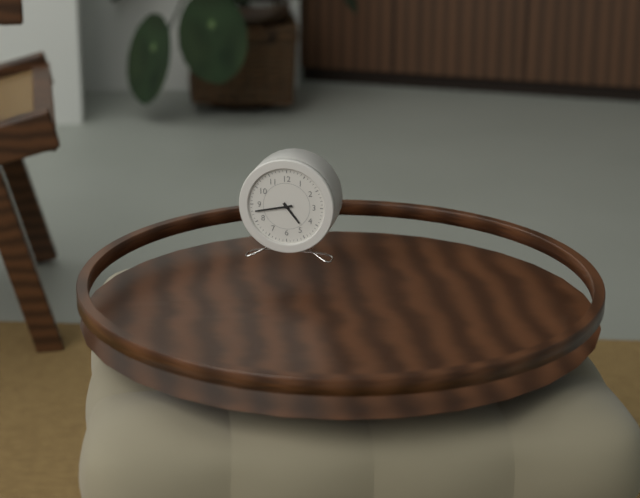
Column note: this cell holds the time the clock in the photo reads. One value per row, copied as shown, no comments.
4:43
